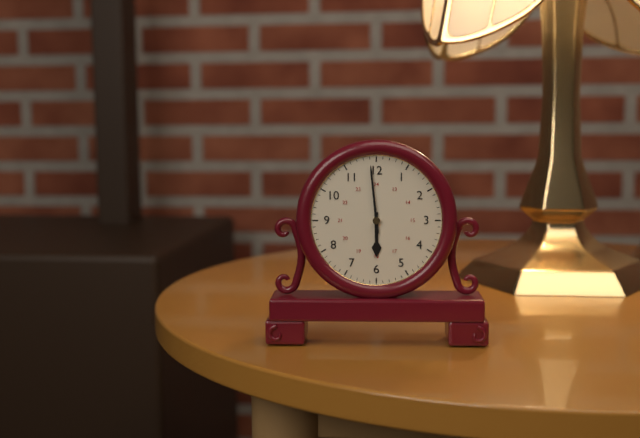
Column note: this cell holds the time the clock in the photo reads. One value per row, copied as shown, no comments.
5:59
